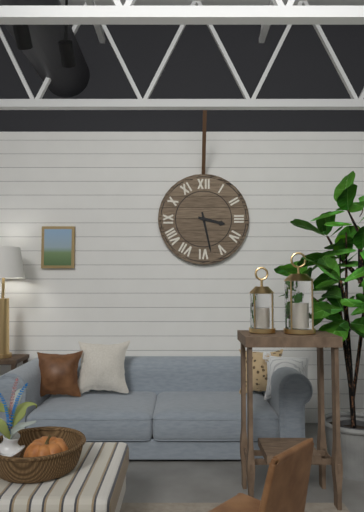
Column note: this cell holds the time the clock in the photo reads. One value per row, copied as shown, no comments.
3:28
